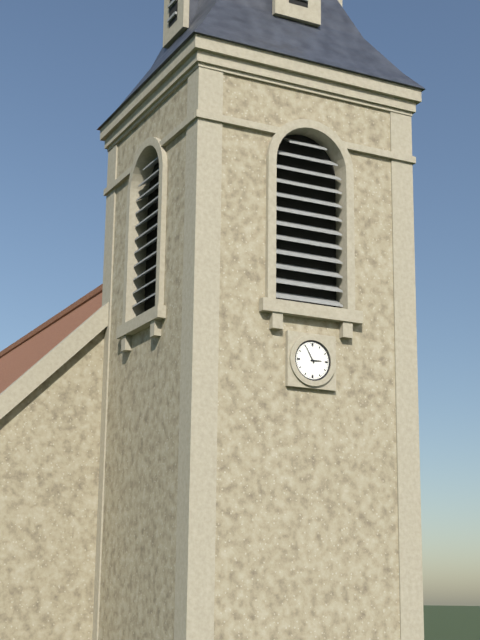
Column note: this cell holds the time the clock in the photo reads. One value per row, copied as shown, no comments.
2:55
